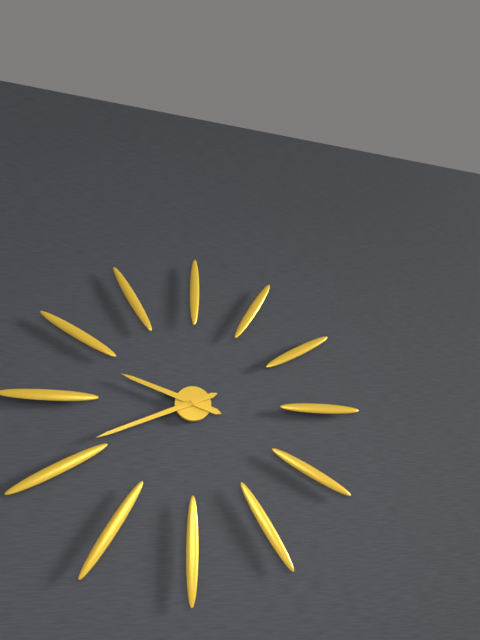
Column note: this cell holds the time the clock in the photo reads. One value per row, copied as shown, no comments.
9:41
